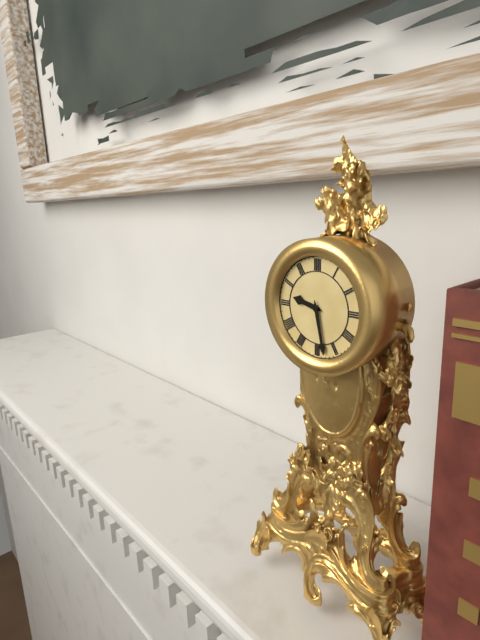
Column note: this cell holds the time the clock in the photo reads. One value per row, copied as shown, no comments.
9:28
